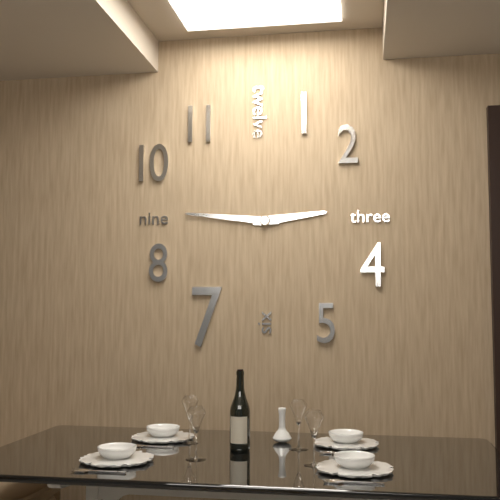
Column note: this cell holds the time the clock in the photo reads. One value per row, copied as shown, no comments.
2:46
